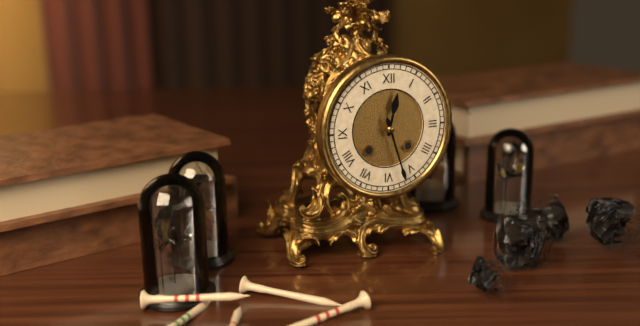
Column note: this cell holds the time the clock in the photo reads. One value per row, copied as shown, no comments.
12:27
